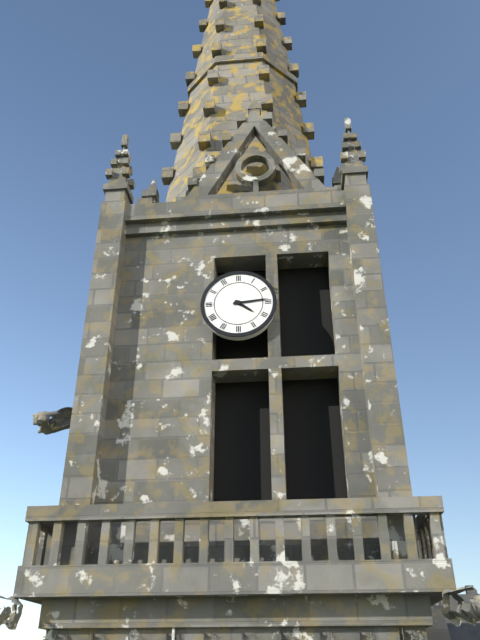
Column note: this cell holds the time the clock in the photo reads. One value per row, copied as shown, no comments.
4:14
